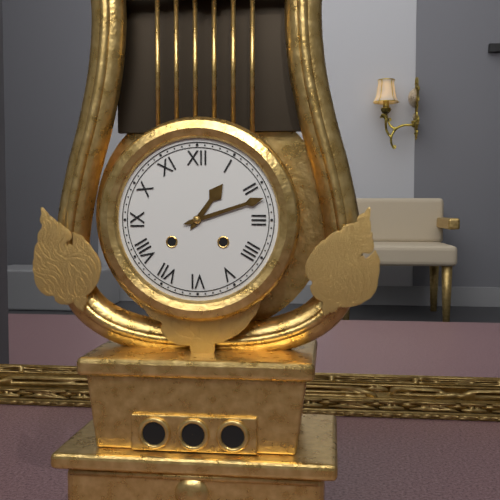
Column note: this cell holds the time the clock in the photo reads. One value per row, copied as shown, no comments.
1:12
